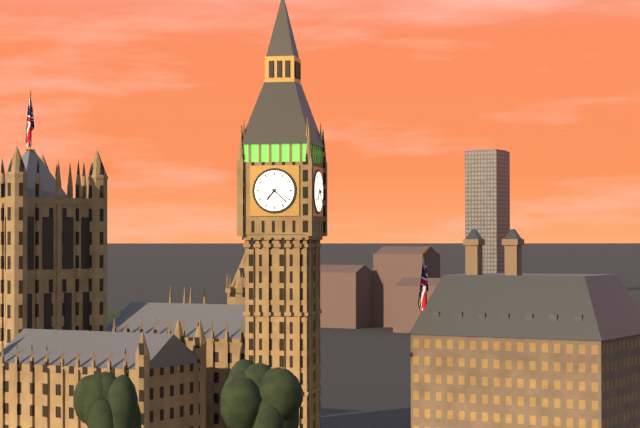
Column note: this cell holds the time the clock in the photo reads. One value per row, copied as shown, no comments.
7:22
